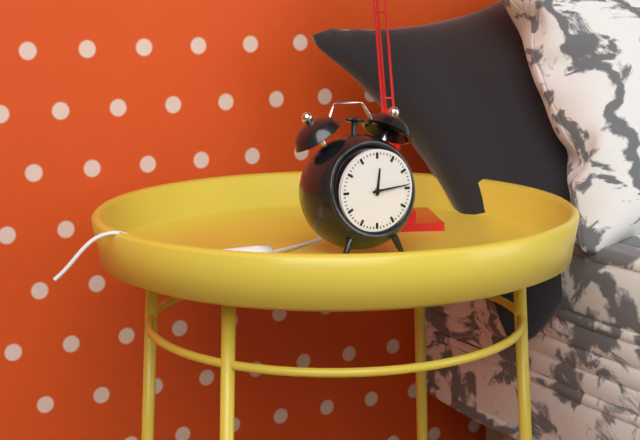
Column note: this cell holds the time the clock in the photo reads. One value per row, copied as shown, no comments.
12:14
